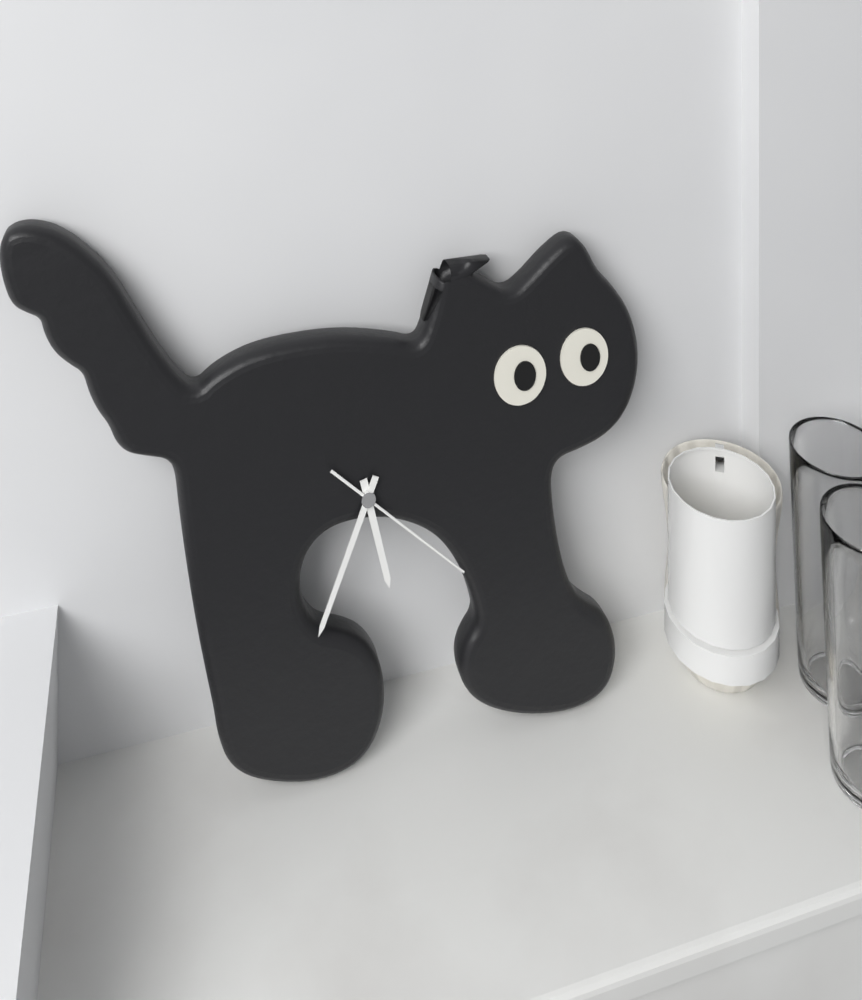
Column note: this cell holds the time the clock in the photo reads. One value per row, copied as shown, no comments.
5:34:22
